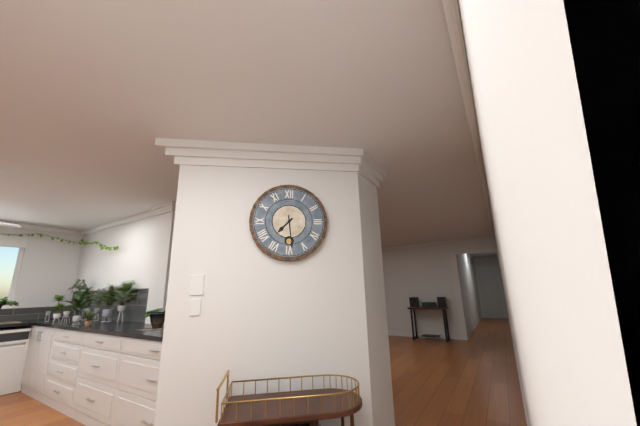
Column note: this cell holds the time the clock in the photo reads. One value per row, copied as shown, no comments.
7:29
